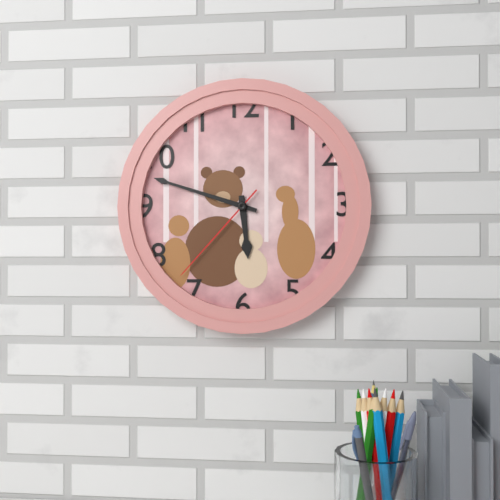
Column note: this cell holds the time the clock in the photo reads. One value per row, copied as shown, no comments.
5:48:37
